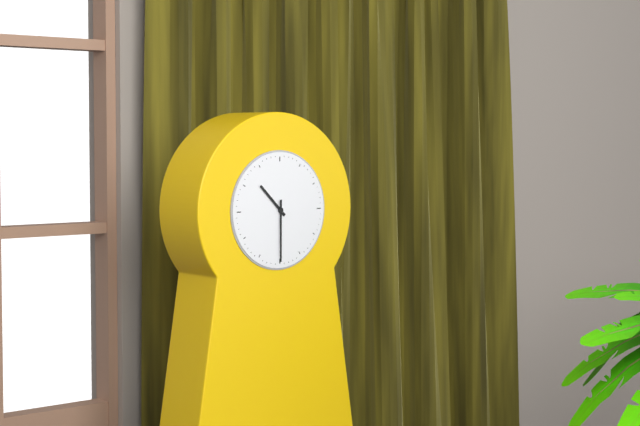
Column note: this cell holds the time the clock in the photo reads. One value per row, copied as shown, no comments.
10:30
